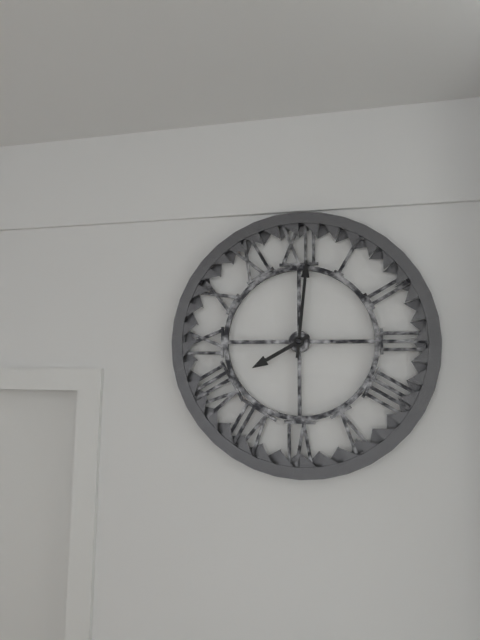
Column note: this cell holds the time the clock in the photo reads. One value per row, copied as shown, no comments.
8:01
